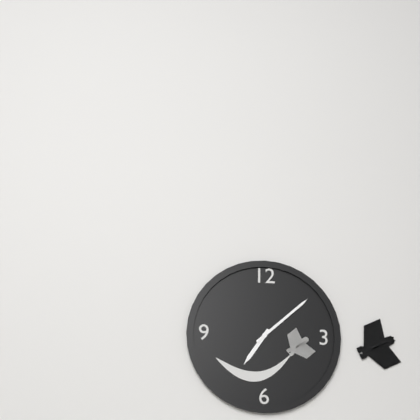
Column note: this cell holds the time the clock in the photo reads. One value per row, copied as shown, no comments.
7:08
